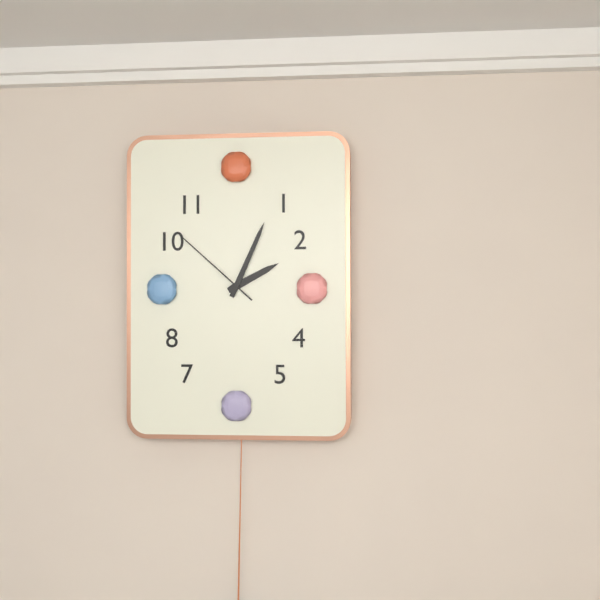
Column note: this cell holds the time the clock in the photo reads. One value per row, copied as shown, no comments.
2:04:52
